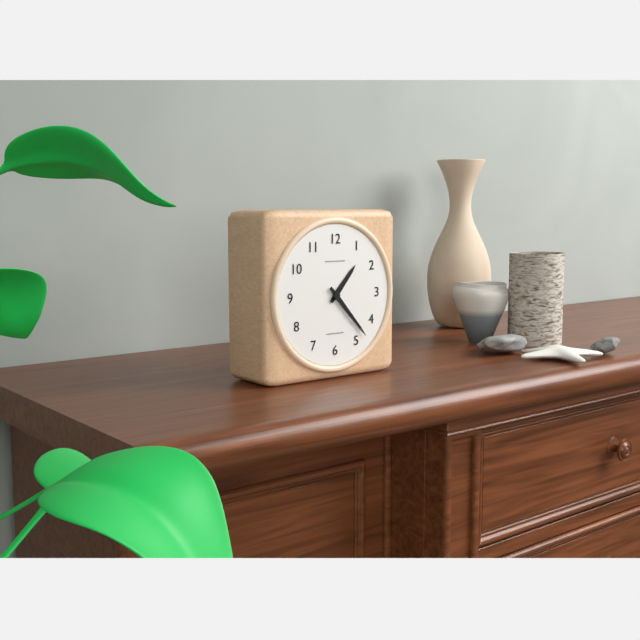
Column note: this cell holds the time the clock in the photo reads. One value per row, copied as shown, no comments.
1:23
